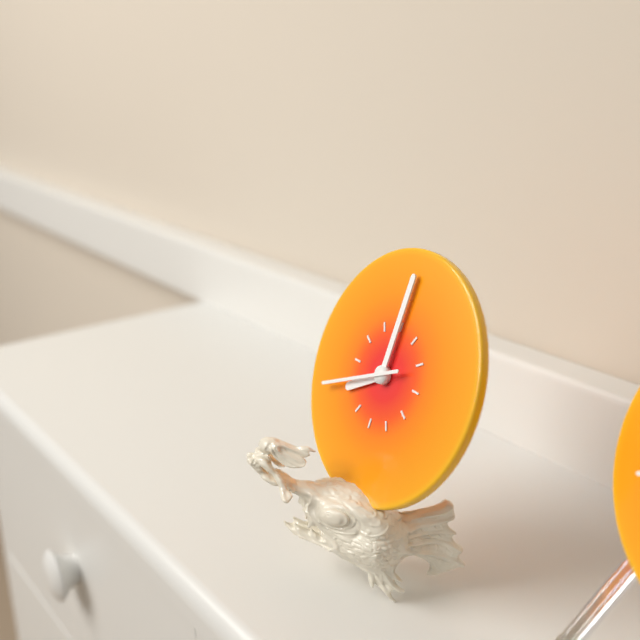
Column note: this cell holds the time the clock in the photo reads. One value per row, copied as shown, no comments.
8:00:41
